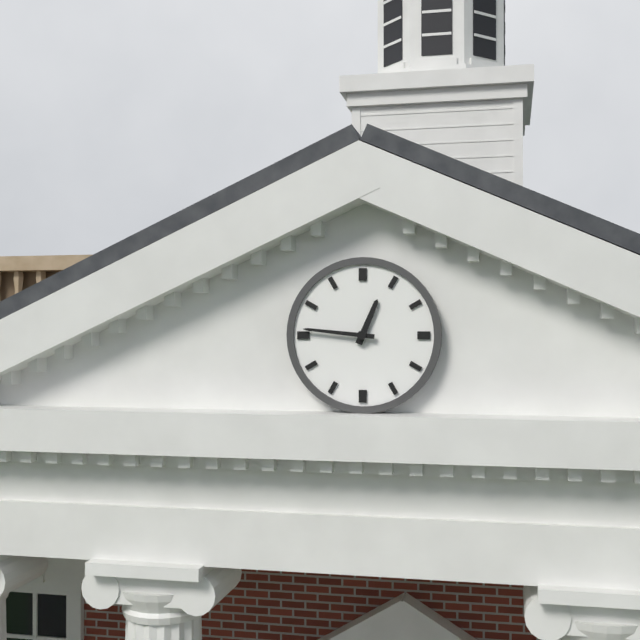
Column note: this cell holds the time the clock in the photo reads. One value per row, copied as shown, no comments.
12:46
